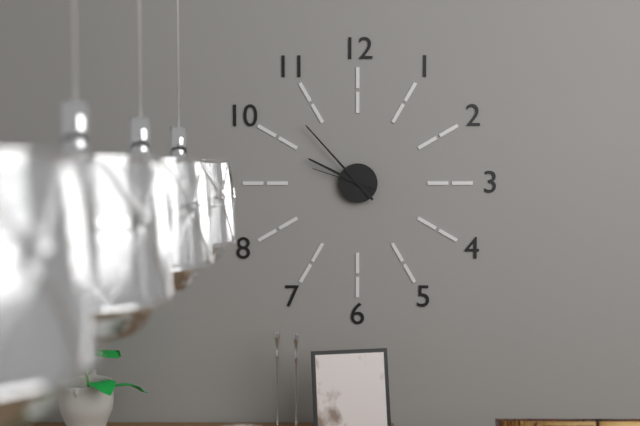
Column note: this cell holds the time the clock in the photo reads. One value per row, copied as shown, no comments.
9:53:48
